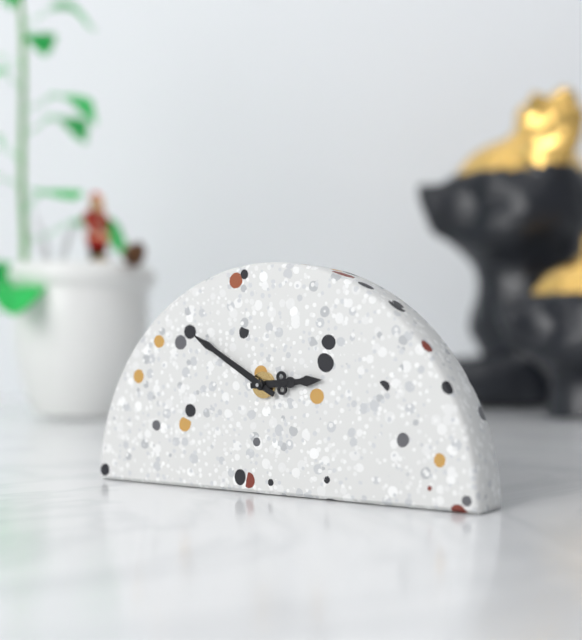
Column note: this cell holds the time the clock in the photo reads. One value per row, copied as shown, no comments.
2:50
